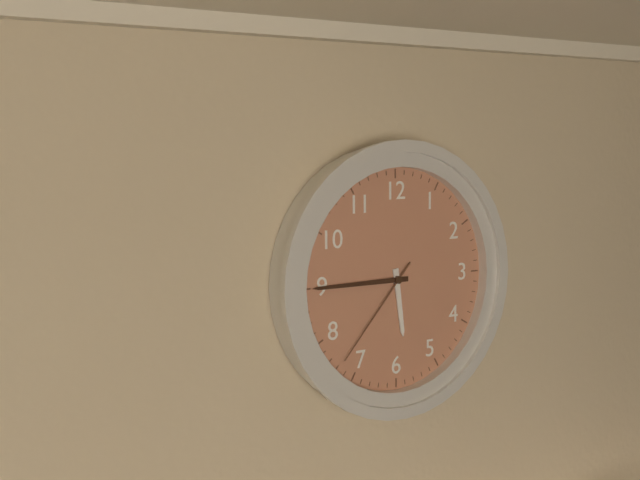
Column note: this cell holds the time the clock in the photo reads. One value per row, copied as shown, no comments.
5:45:37
